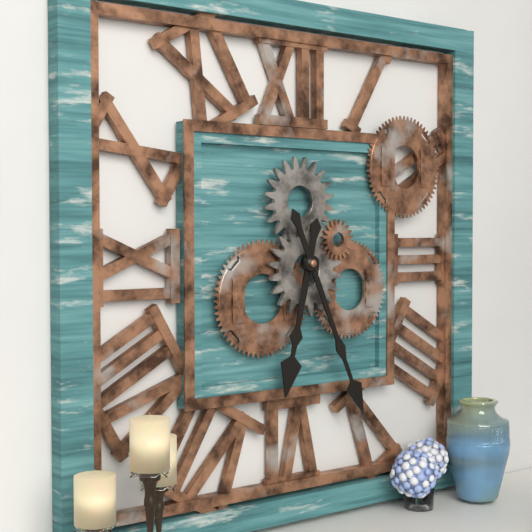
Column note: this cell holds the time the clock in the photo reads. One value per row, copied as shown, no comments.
6:26
